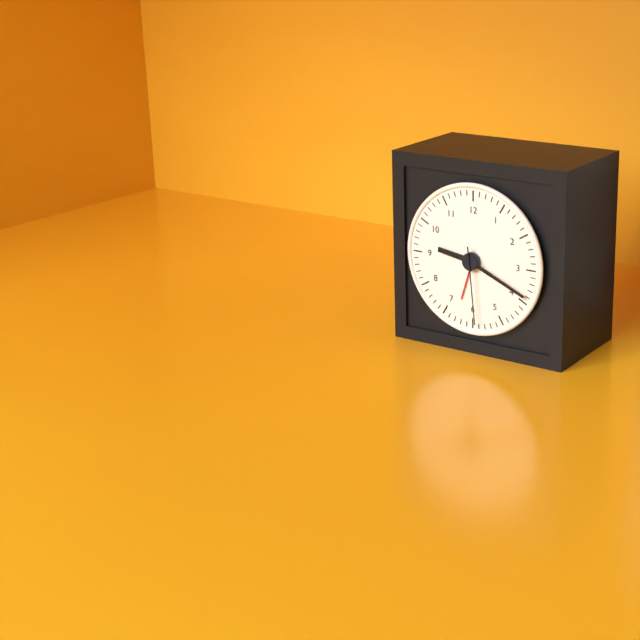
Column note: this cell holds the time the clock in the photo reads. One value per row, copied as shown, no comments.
9:19:29
